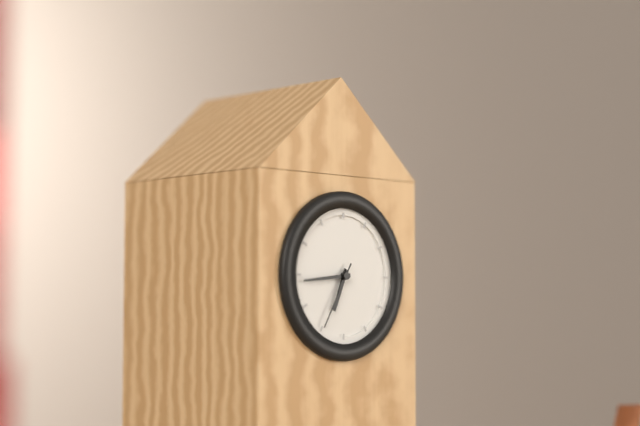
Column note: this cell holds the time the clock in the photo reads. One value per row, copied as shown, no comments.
6:44:35
